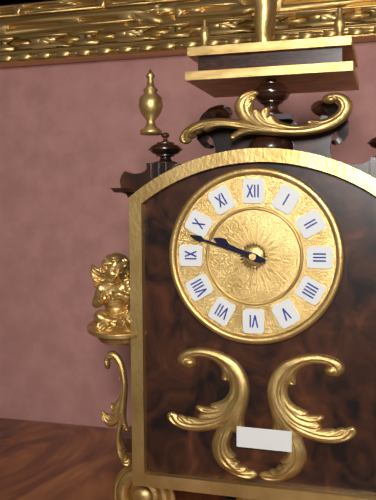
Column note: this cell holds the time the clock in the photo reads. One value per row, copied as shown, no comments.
9:48
